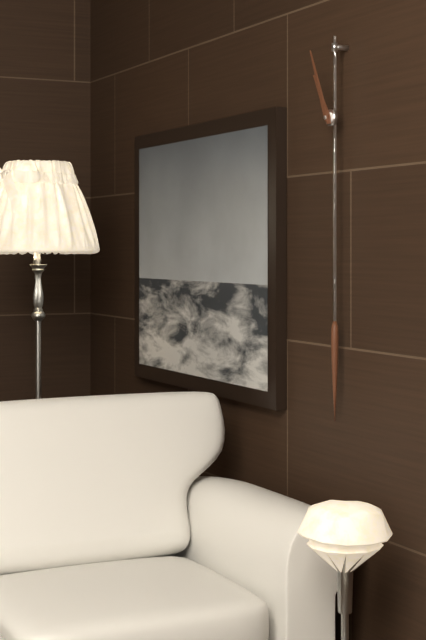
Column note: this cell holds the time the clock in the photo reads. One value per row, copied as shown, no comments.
10:56
